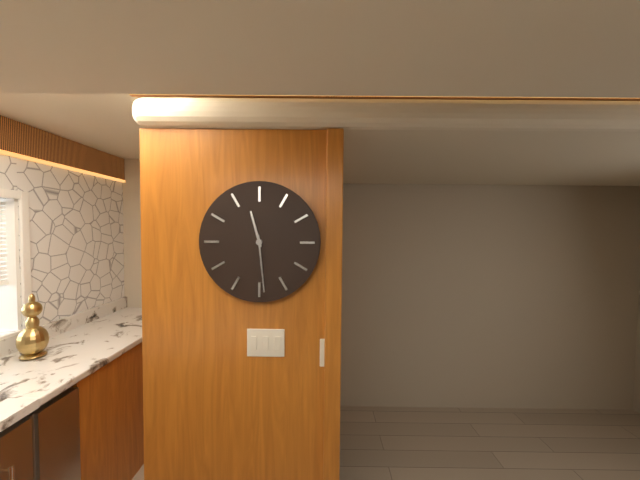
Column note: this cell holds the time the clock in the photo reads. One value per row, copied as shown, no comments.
11:29
